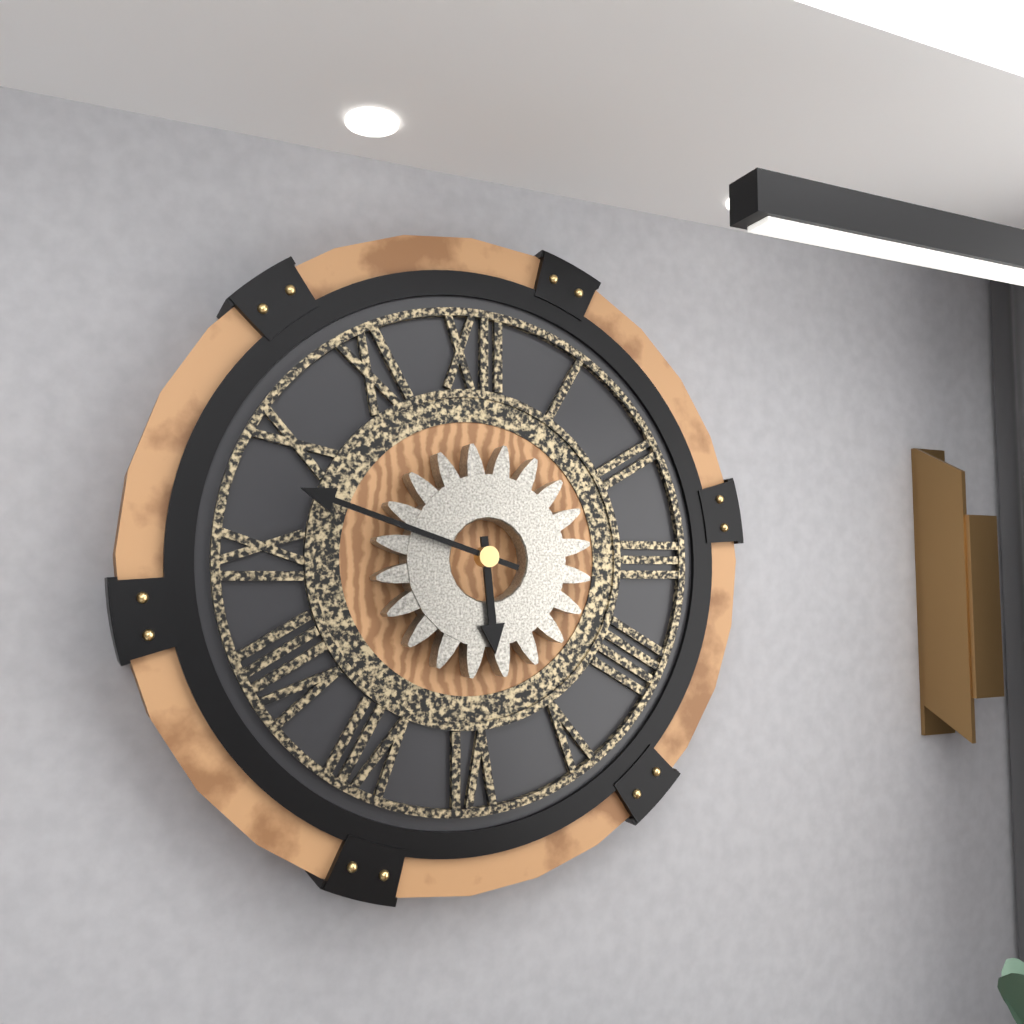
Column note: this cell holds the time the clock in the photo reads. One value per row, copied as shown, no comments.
5:48
